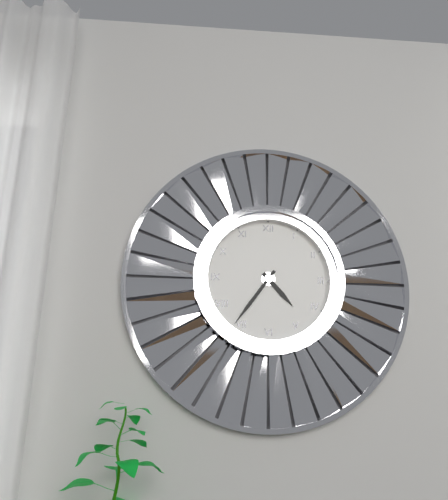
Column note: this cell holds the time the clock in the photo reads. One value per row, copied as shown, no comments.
4:36
